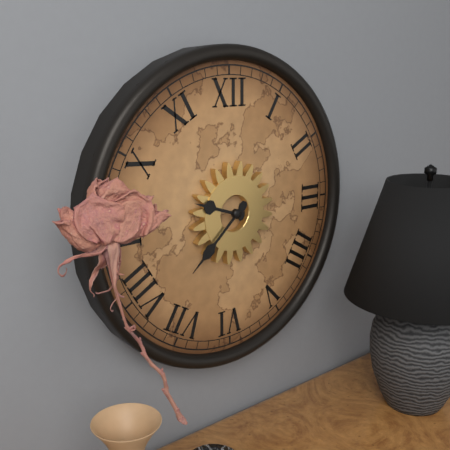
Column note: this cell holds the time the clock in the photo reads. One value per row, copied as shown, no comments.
9:38
